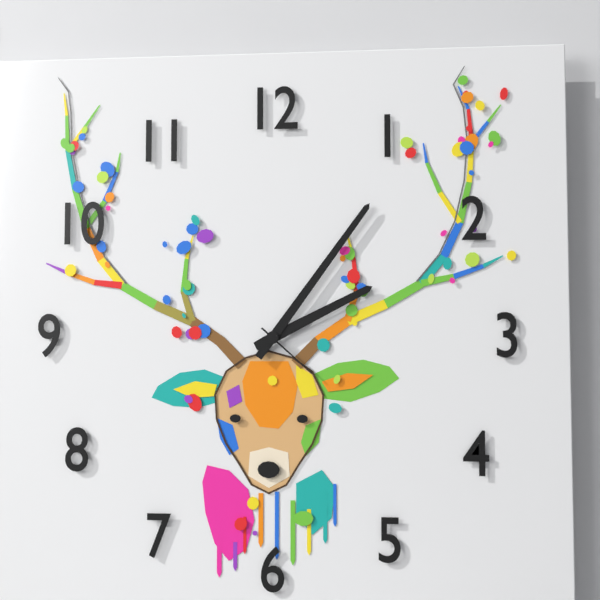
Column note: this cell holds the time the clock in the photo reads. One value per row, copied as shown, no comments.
2:06:22
